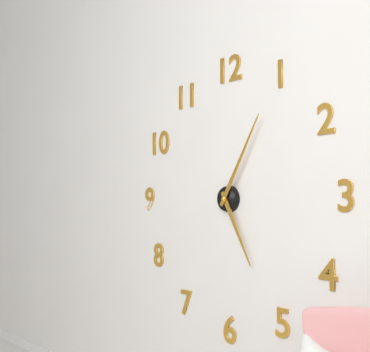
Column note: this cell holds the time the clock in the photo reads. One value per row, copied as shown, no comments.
5:05
